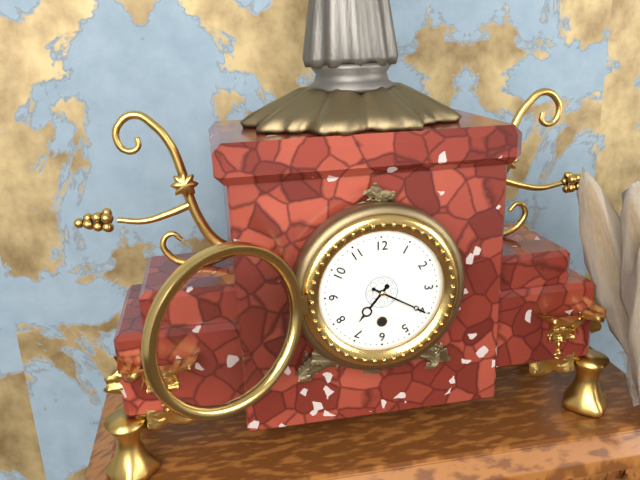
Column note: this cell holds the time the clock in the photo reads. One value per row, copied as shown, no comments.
7:20
